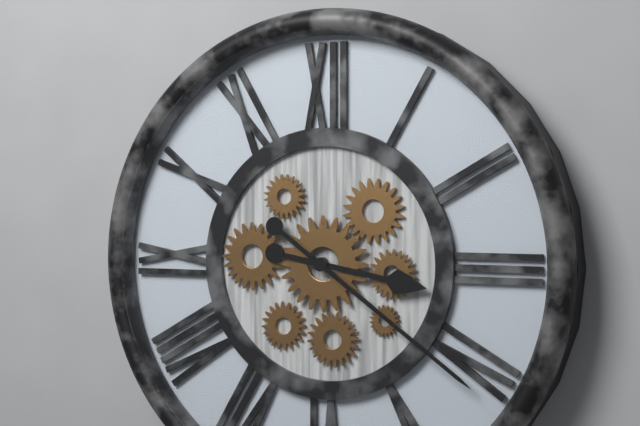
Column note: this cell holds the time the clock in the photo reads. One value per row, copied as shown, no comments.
3:21
